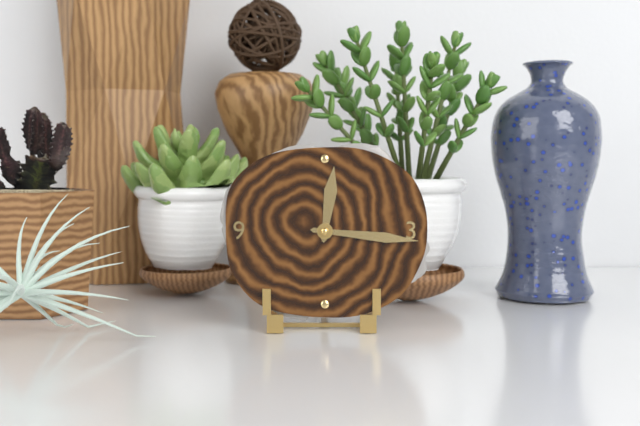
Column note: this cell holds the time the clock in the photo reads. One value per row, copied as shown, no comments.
12:16
